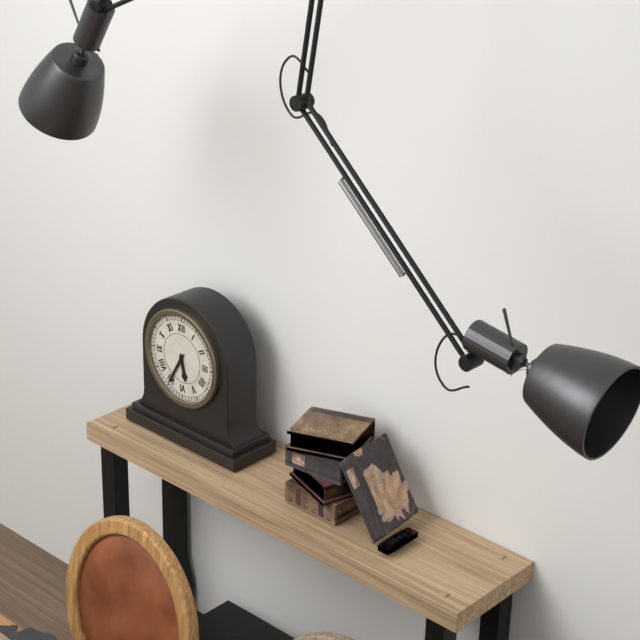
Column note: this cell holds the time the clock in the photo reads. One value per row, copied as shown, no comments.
5:35
